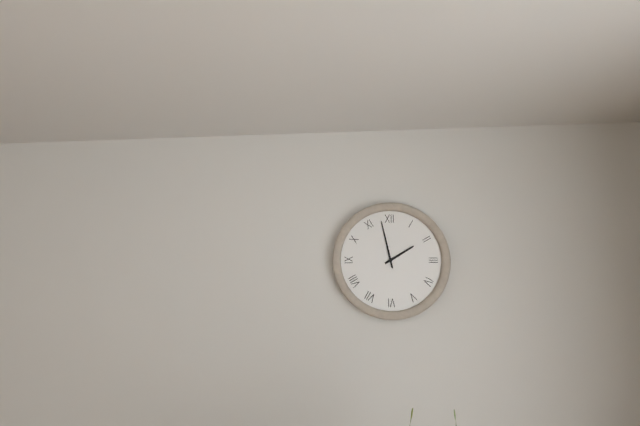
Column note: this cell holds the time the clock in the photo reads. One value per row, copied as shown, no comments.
1:58
